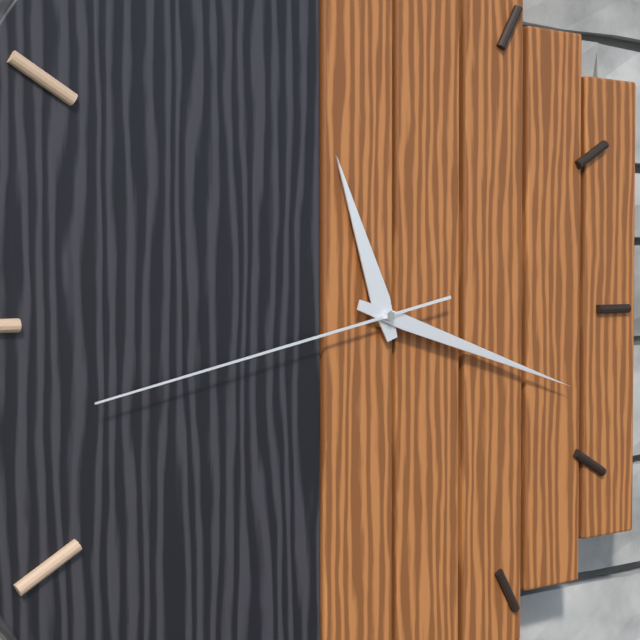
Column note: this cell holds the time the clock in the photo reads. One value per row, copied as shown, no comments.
11:18:43
